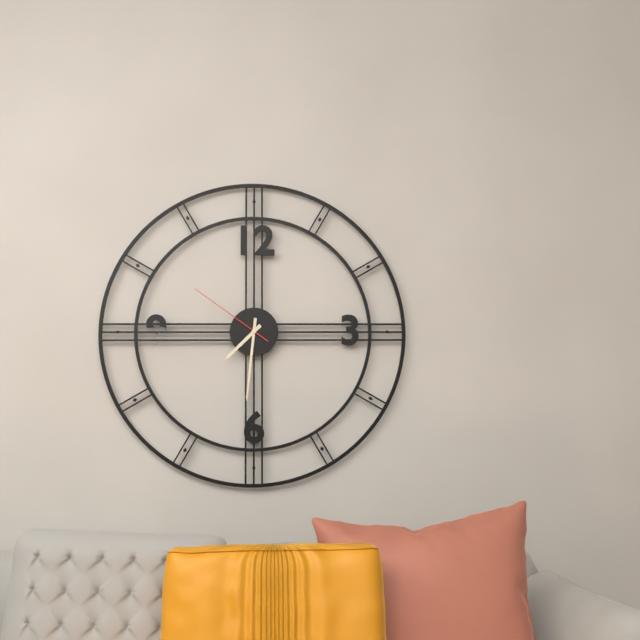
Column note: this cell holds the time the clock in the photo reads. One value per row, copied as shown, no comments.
7:31:51
